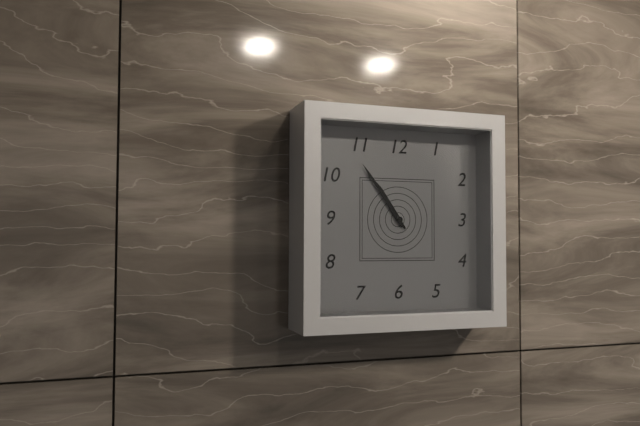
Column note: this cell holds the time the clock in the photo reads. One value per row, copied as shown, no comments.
10:54
